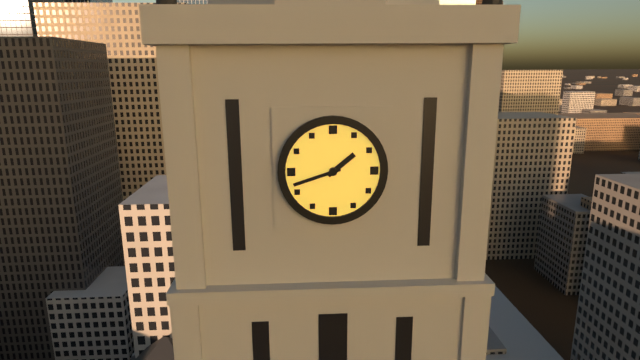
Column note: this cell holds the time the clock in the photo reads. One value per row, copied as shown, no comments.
1:42
